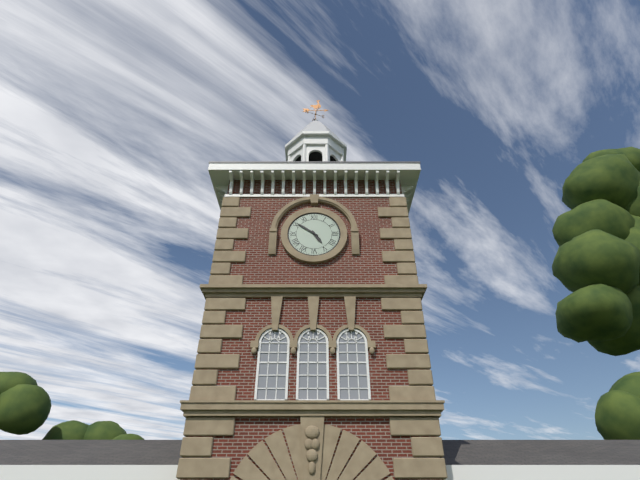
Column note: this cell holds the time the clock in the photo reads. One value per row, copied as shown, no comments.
4:51
